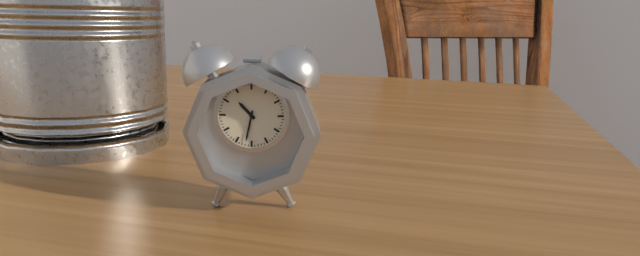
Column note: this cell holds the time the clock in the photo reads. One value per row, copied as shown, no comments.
10:32
